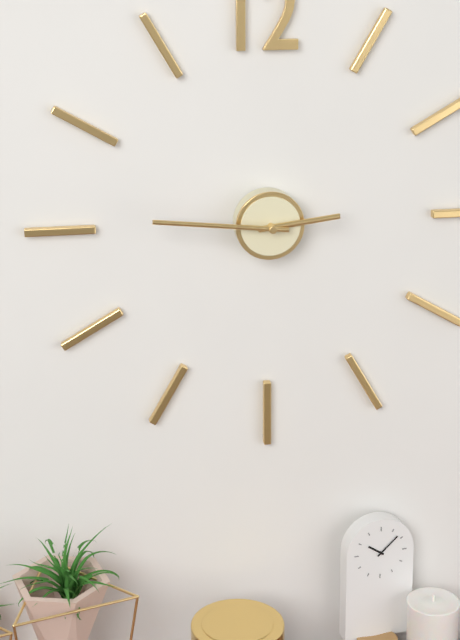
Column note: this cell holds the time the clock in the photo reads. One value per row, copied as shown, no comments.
2:46
